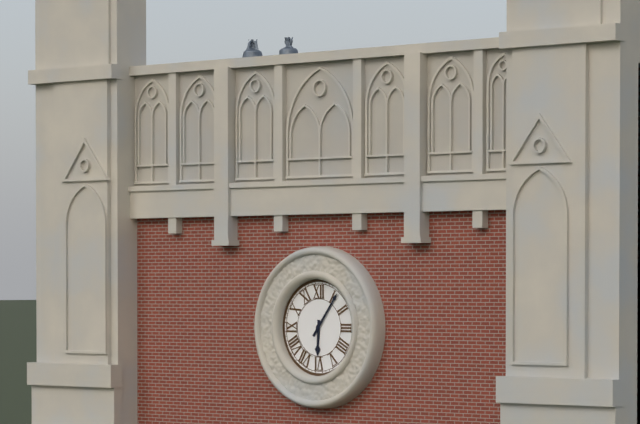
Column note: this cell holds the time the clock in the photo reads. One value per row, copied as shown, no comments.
6:06
